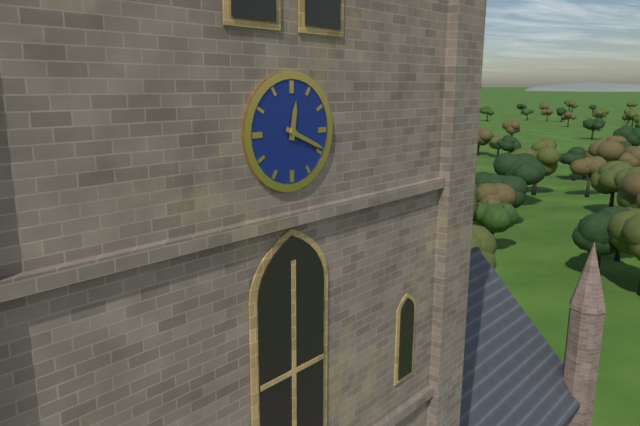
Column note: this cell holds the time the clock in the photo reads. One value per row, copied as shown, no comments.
12:19
